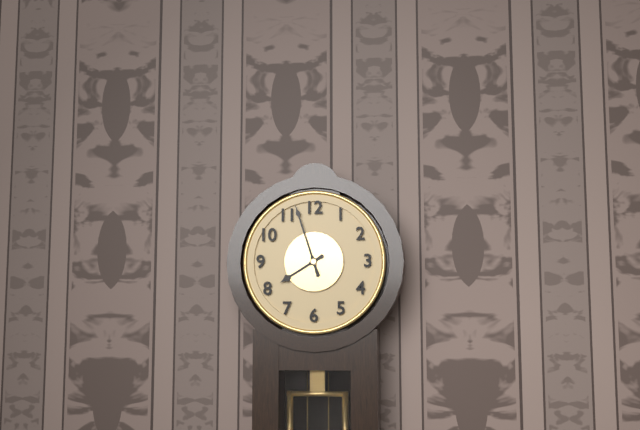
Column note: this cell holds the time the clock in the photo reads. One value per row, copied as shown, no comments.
7:57
